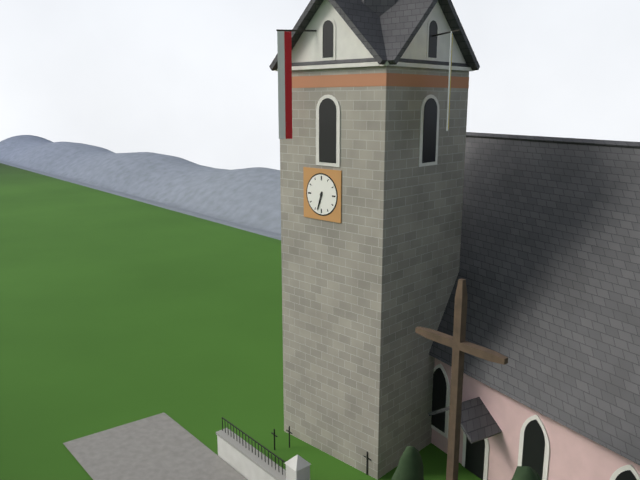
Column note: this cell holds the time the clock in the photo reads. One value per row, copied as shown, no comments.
6:33
